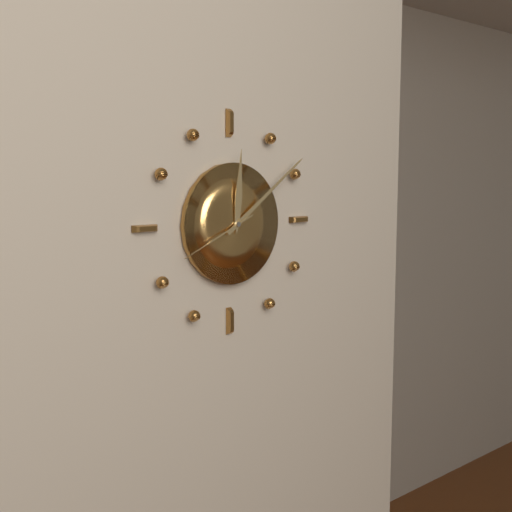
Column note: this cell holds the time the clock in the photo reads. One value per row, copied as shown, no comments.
12:09:41
